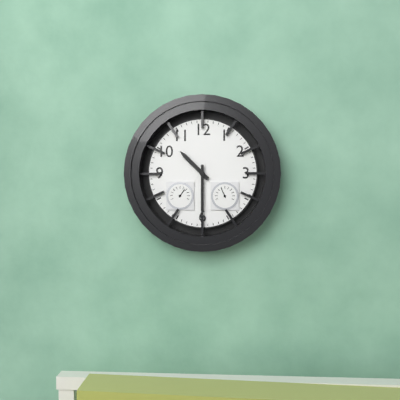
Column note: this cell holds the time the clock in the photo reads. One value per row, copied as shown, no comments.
10:30
